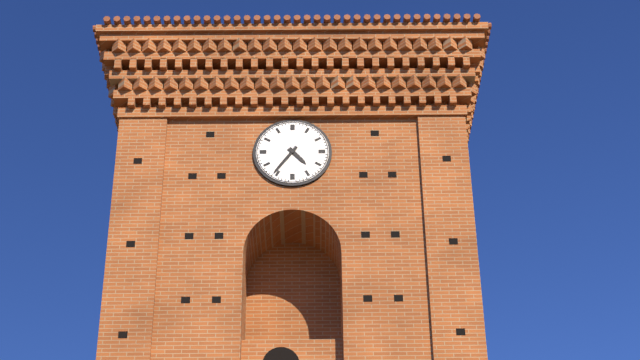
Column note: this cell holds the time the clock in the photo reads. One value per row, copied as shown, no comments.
4:36
